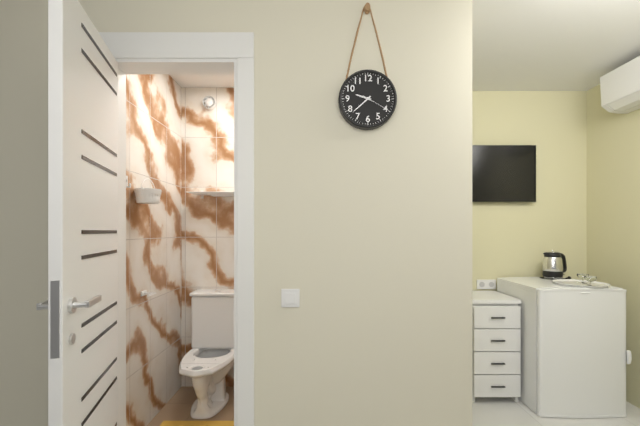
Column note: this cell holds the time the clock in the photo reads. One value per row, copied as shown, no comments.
9:38
